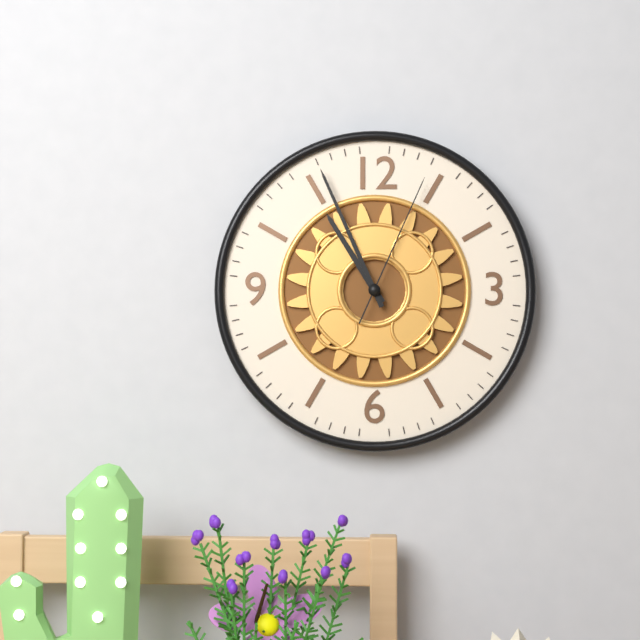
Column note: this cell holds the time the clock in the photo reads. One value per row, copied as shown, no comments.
10:56:04
